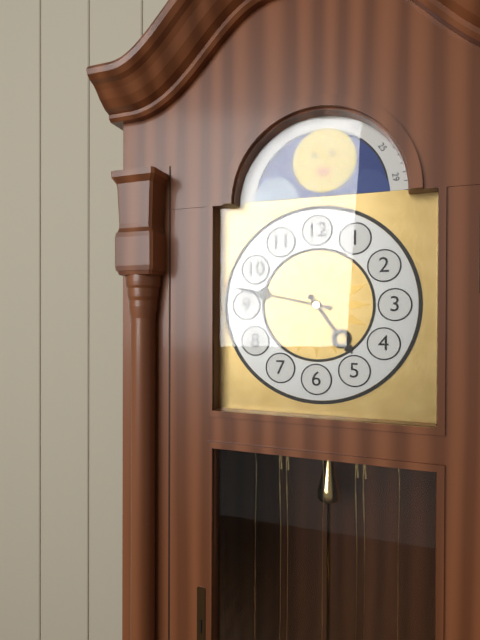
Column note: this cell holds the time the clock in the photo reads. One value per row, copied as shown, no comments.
4:47
